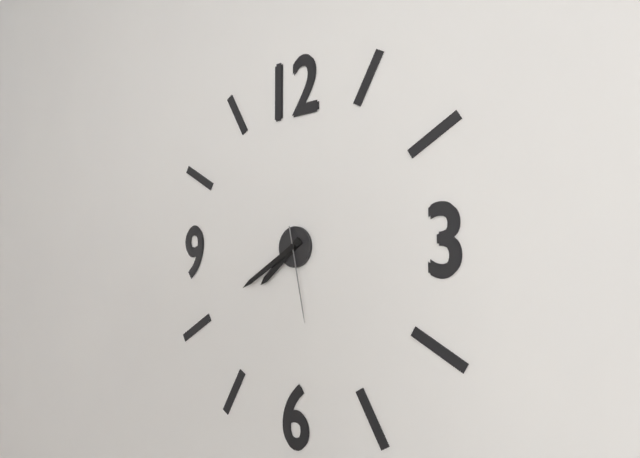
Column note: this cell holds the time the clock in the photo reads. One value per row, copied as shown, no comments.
7:40:28
